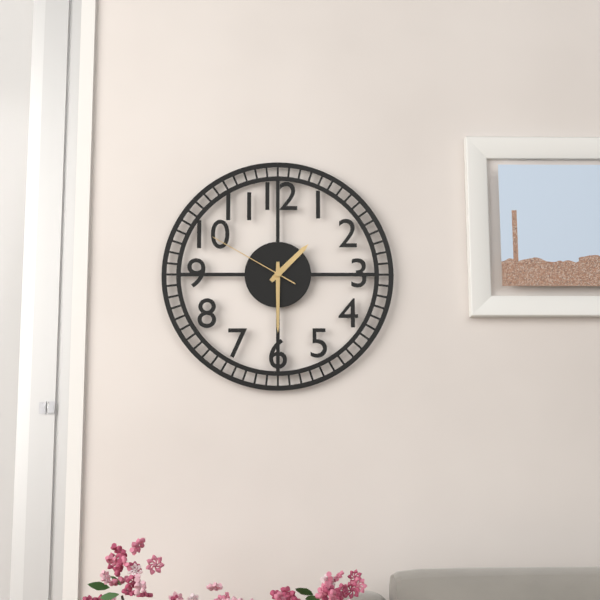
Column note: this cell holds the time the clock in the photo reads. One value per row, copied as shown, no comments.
1:30:50
